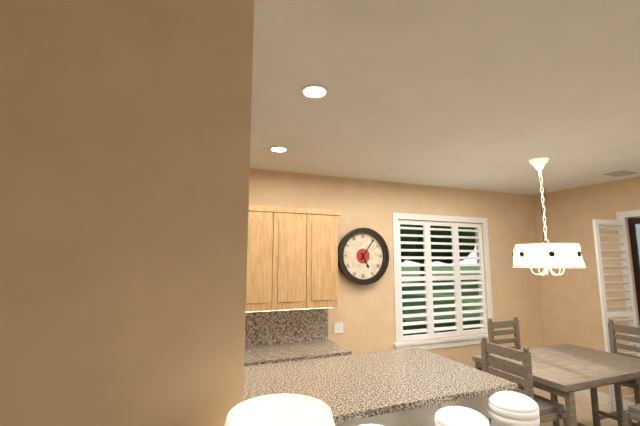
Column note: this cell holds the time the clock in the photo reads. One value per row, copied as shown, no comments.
5:06
